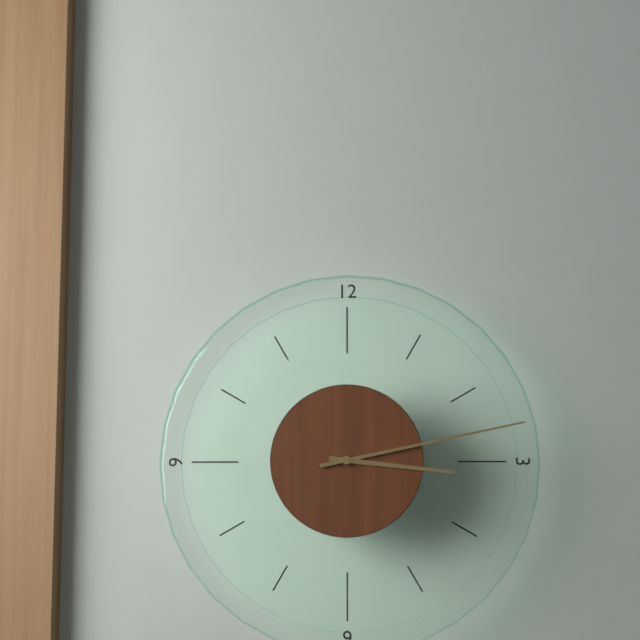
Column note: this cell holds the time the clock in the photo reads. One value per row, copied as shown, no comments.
3:13
